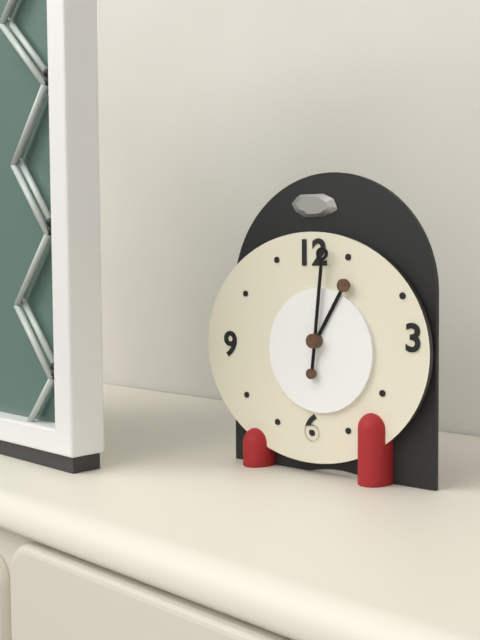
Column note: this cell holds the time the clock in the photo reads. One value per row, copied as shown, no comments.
1:01
